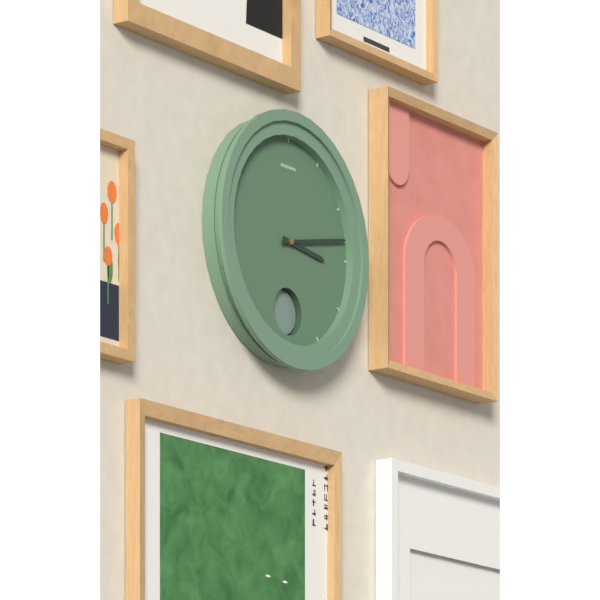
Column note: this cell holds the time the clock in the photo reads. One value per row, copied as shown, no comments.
3:13
